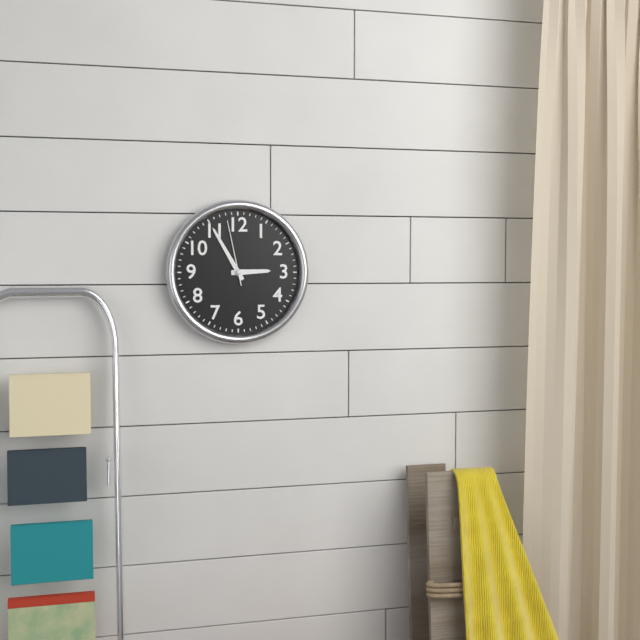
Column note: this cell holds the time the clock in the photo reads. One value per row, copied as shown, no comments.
2:55:58
